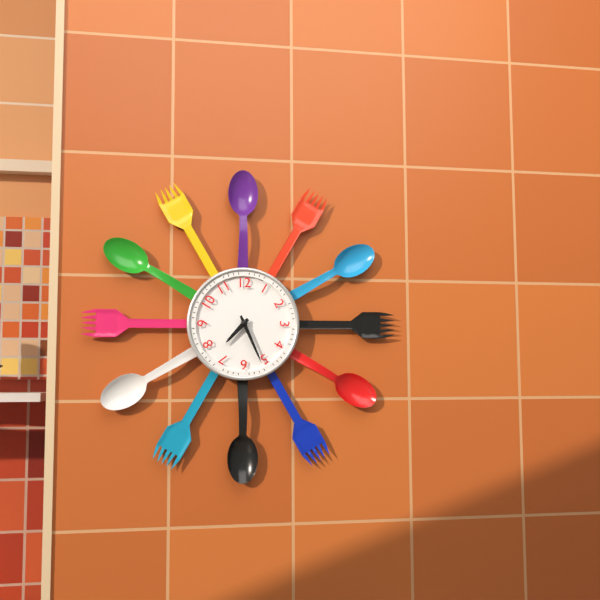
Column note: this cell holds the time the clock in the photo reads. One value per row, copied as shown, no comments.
7:26
